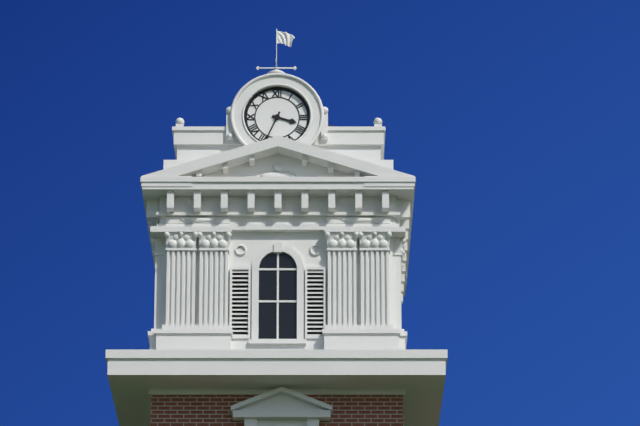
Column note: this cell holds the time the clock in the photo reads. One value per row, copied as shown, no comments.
3:34
